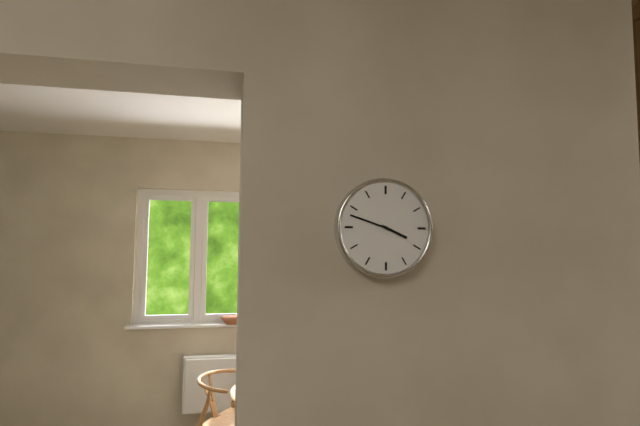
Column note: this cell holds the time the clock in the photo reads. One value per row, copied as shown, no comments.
3:48
